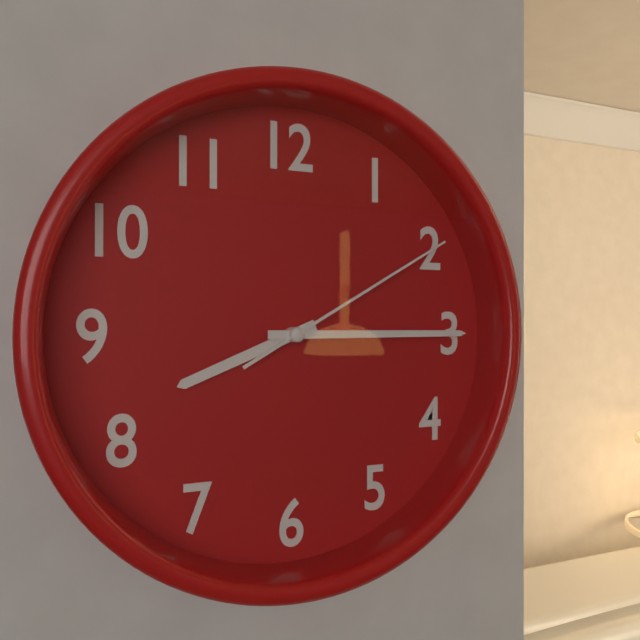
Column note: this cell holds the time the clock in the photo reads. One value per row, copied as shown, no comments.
8:15:10
